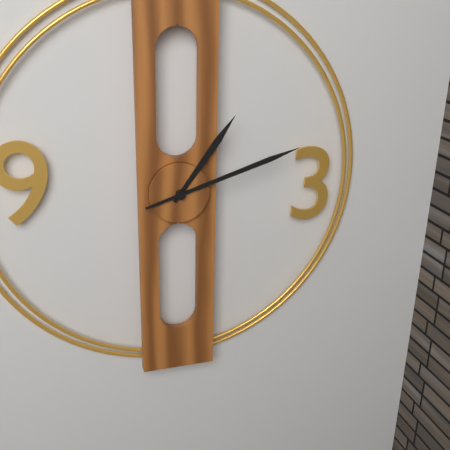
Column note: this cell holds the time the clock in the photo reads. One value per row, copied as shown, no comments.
1:12
